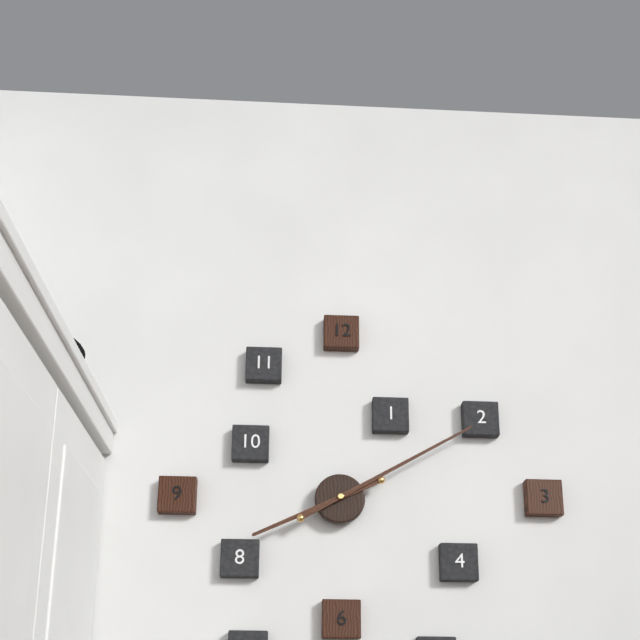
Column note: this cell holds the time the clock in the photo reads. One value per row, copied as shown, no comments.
8:10
